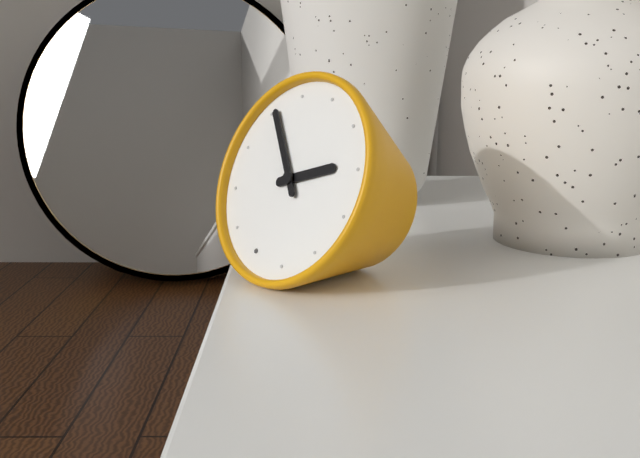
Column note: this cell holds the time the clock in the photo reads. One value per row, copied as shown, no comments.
1:51
